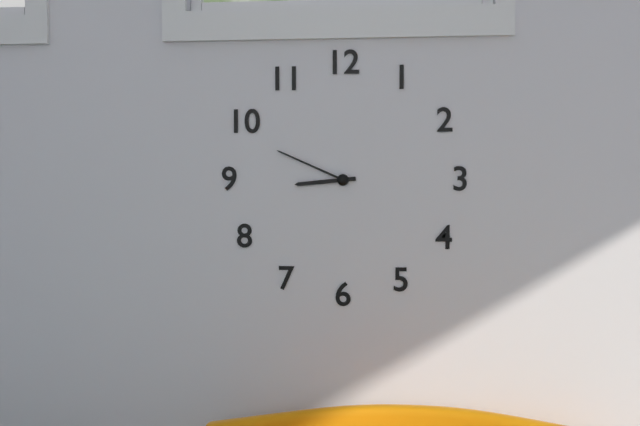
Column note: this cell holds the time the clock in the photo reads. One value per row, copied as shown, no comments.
8:49
